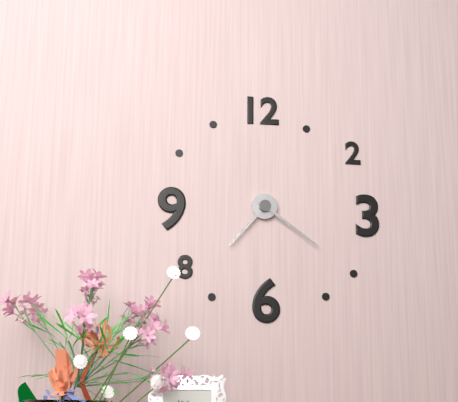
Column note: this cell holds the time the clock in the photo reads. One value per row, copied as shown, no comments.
7:21
